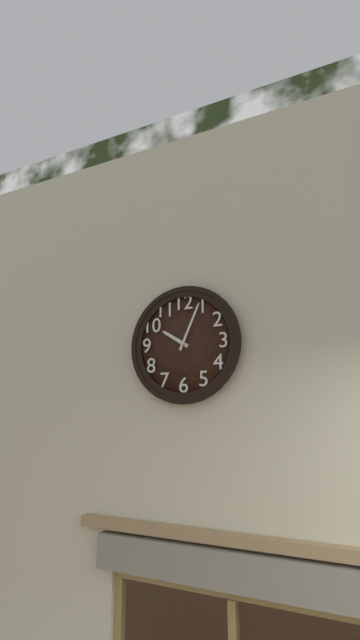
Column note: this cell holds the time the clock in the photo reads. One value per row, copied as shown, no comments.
10:04
